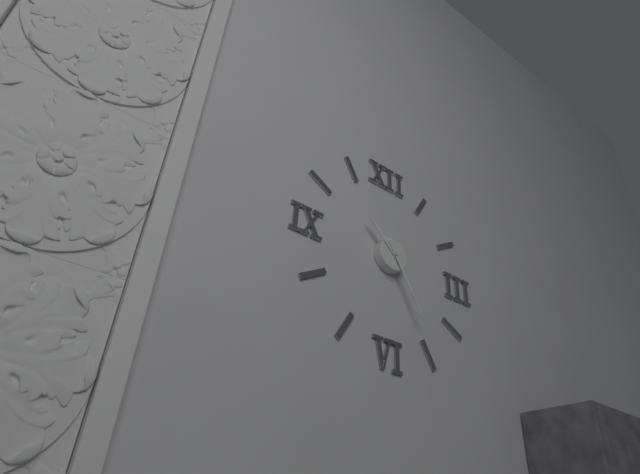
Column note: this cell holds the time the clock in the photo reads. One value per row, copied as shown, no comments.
10:25
